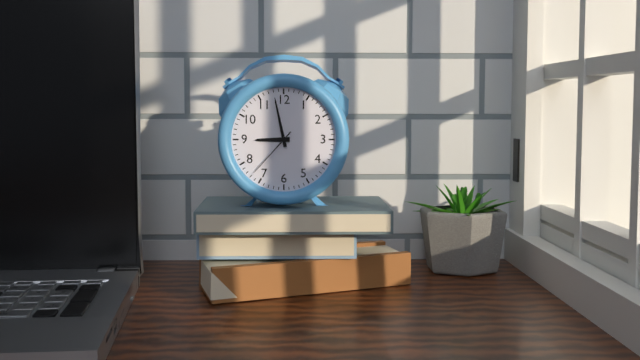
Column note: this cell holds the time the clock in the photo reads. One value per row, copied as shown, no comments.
8:58:37
